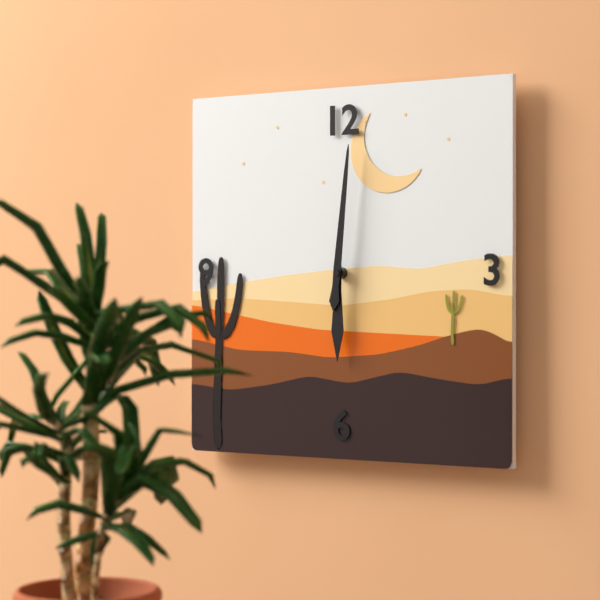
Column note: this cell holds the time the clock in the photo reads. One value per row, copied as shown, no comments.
6:01
